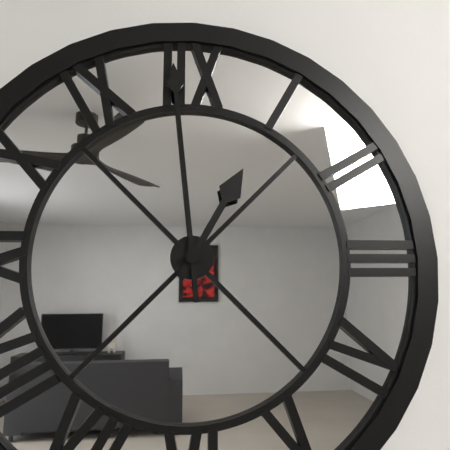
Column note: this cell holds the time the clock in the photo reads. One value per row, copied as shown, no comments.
12:59
